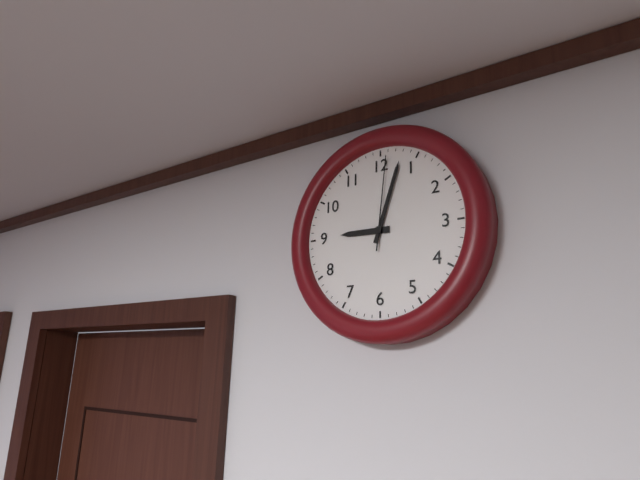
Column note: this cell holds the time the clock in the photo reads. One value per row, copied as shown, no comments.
9:03:01
